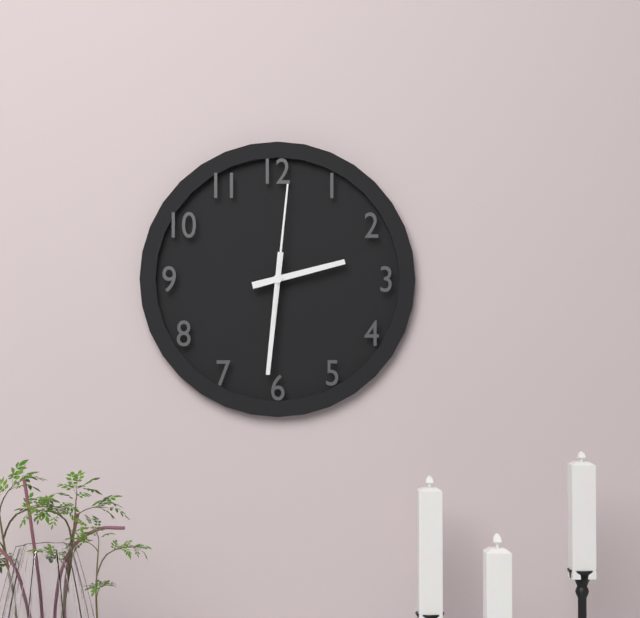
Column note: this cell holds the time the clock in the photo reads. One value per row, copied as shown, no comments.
2:31:01
